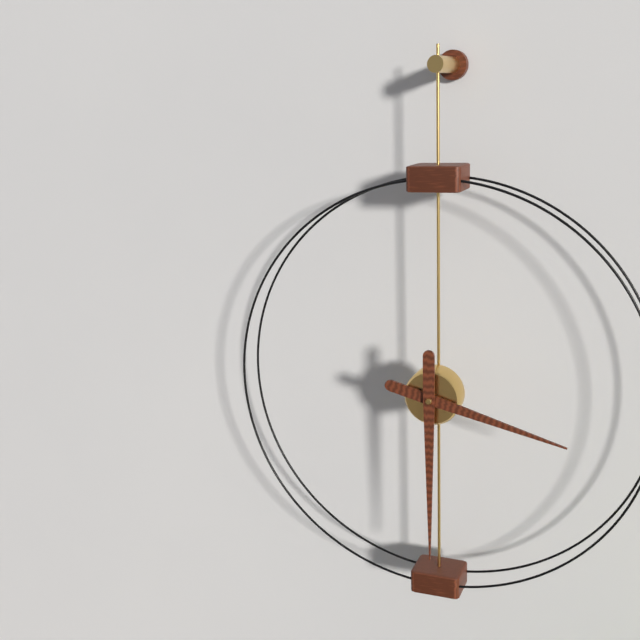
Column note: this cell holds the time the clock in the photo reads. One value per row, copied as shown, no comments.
3:30
